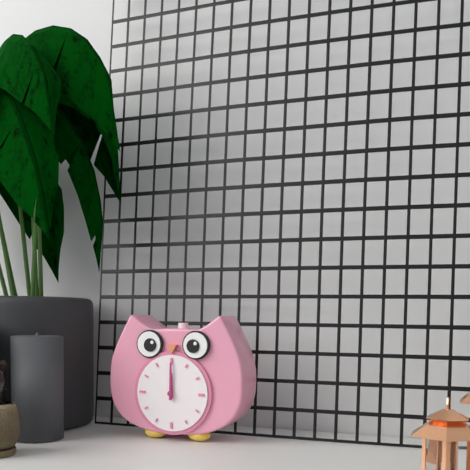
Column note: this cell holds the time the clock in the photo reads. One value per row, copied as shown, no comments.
12:00
